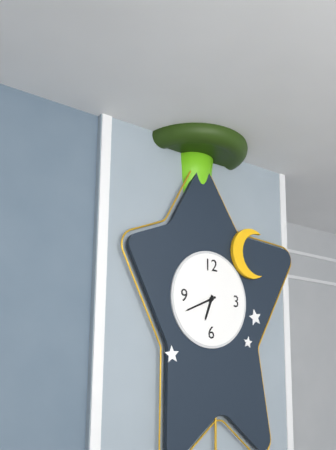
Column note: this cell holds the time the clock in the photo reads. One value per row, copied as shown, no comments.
6:41
